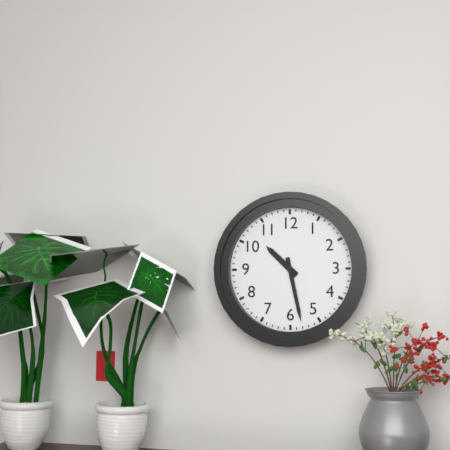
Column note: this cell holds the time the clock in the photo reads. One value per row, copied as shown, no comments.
10:28
